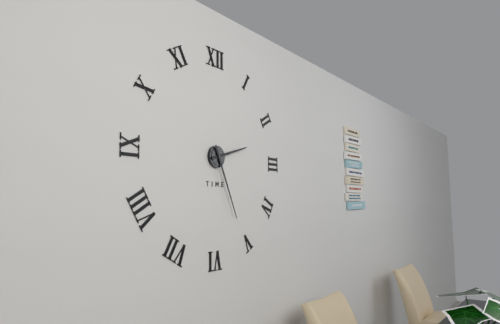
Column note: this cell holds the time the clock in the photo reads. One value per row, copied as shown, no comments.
2:26
